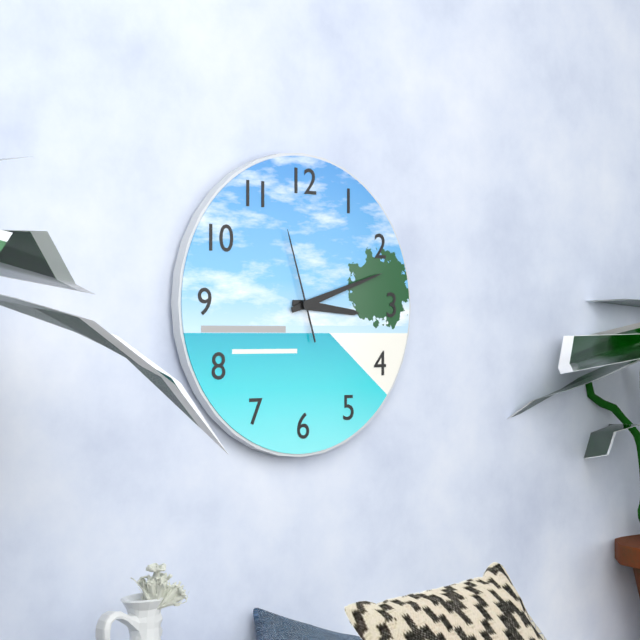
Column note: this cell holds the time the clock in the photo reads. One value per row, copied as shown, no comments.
3:12:57
